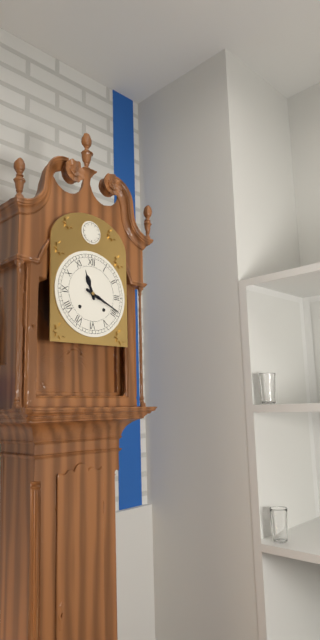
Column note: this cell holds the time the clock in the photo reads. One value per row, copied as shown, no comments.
11:19
